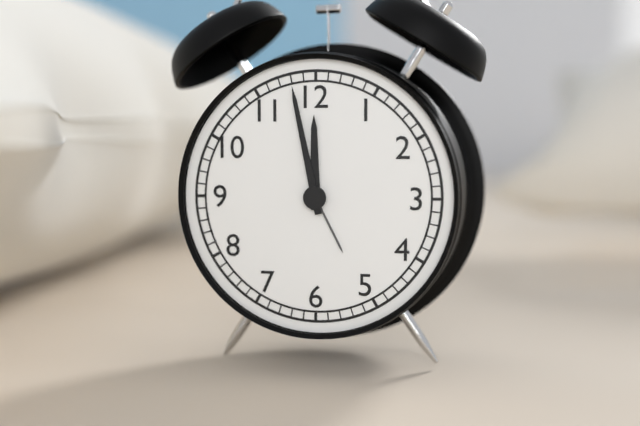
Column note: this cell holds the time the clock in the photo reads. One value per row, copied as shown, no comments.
11:58
